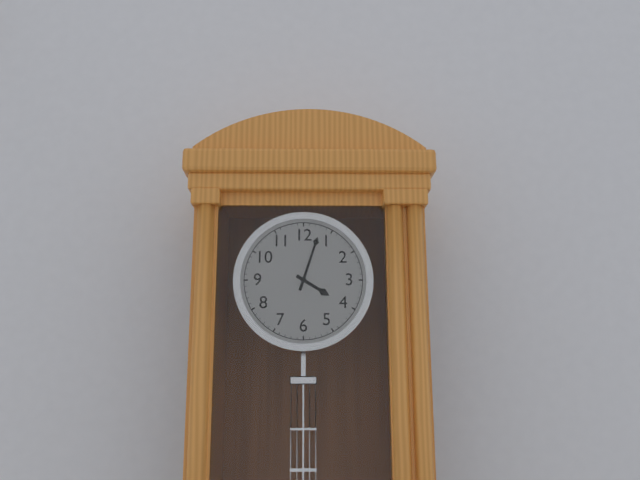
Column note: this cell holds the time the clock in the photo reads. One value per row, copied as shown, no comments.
4:03
